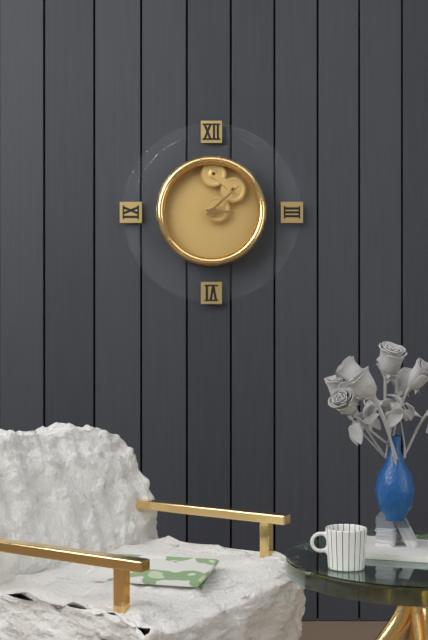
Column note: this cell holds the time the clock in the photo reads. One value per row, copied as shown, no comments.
3:08
